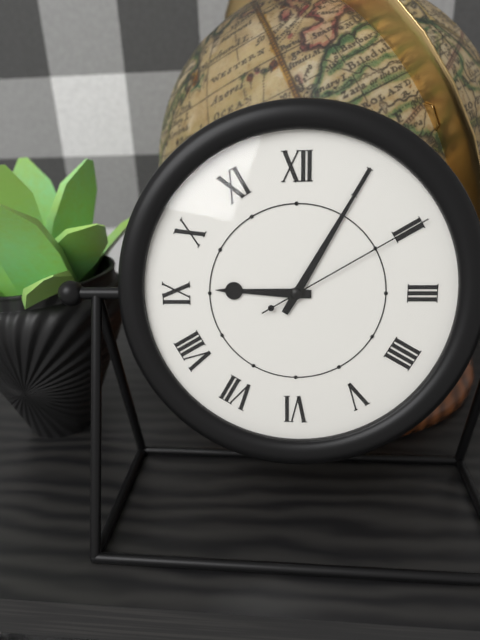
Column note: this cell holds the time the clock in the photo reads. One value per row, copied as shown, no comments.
9:05:10
